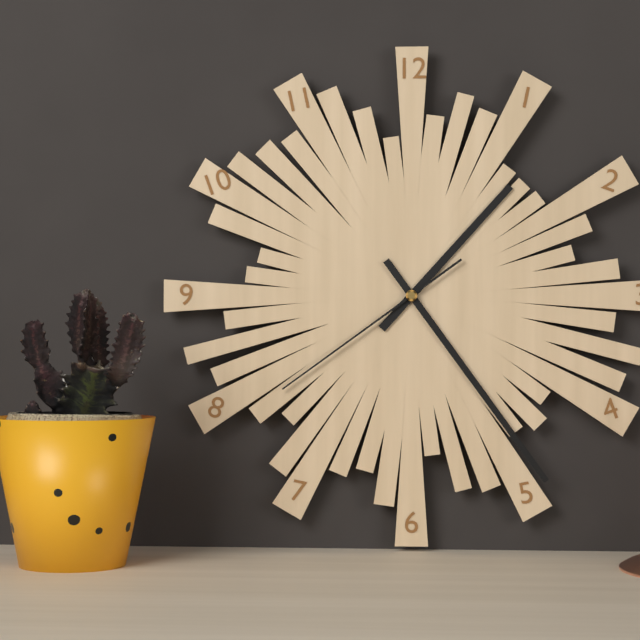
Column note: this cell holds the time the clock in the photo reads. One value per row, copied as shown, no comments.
1:24:39
